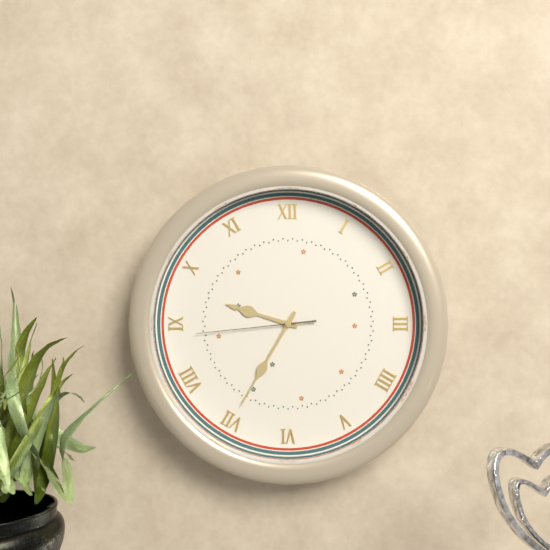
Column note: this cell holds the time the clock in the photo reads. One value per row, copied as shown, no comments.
9:35:44
